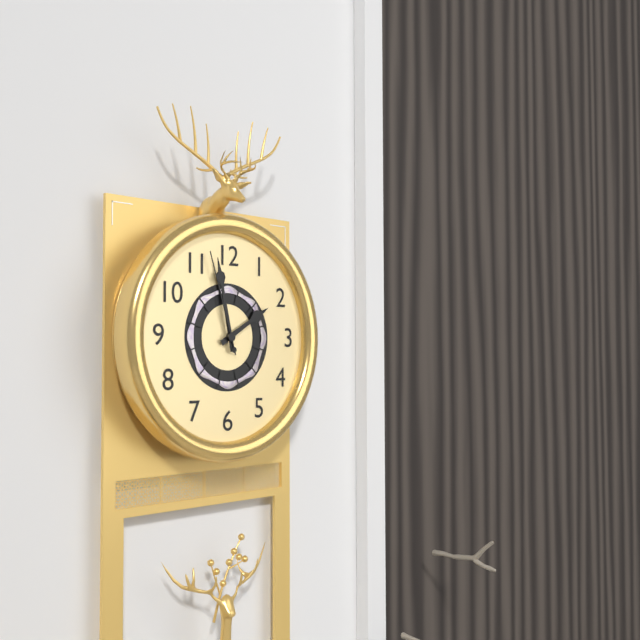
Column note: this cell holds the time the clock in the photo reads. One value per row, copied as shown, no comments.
1:58:57
